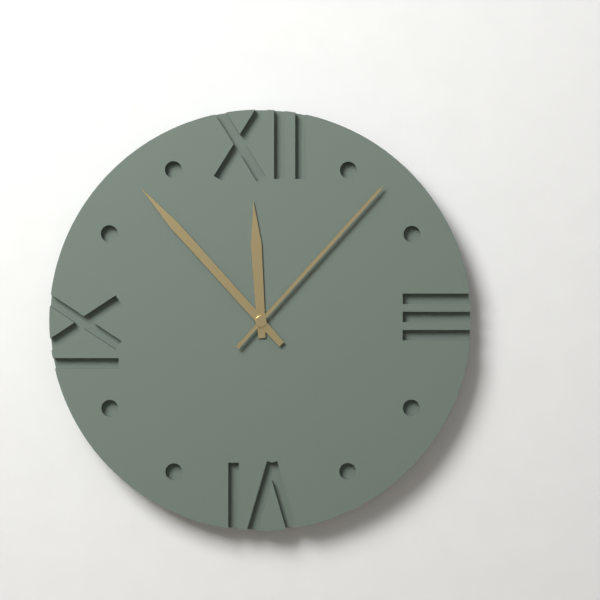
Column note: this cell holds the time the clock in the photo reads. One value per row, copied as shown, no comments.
11:53:07
